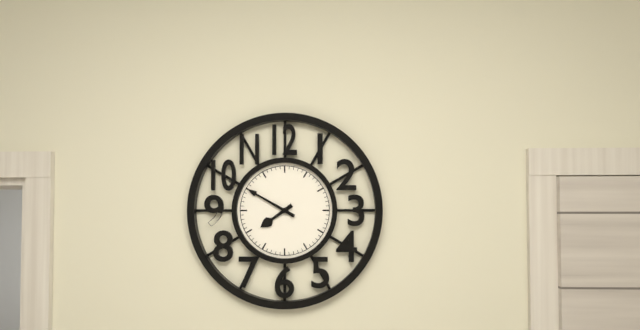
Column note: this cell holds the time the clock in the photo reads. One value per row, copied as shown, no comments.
7:50
